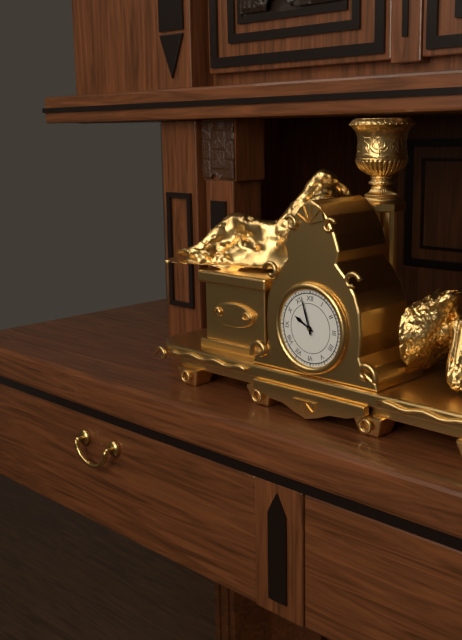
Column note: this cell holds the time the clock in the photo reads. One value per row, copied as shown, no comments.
9:57
